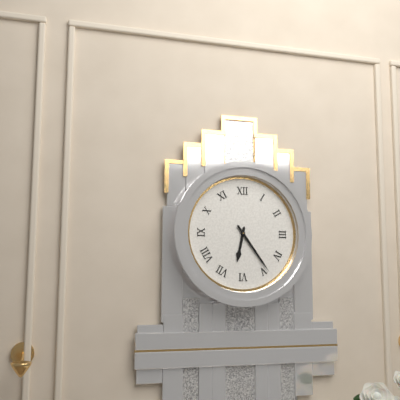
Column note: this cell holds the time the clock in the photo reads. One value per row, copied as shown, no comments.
6:24
